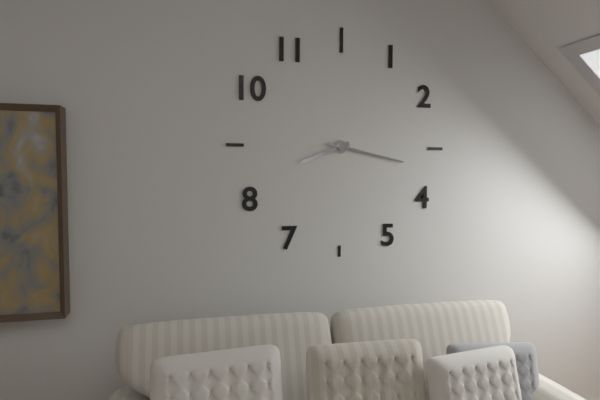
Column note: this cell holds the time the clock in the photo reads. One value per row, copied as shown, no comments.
8:17
